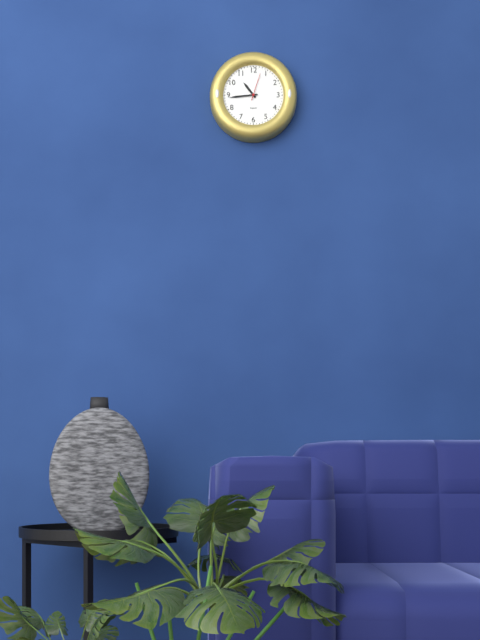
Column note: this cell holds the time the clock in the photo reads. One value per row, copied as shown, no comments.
10:44
